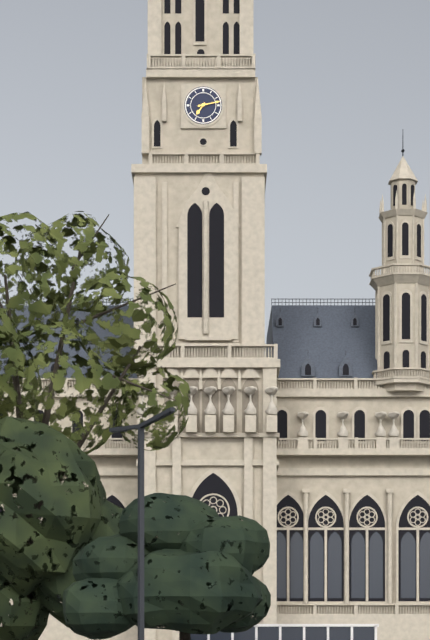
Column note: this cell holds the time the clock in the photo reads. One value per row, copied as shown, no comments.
7:13
